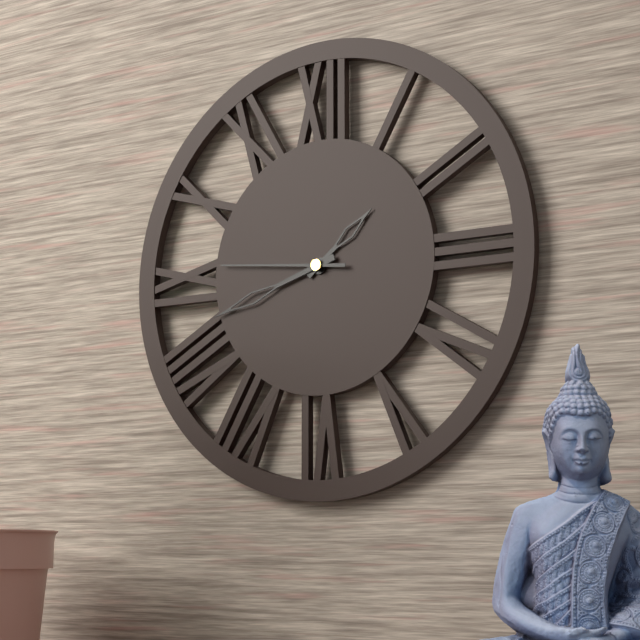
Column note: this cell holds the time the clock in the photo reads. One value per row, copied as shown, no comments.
1:42:46
